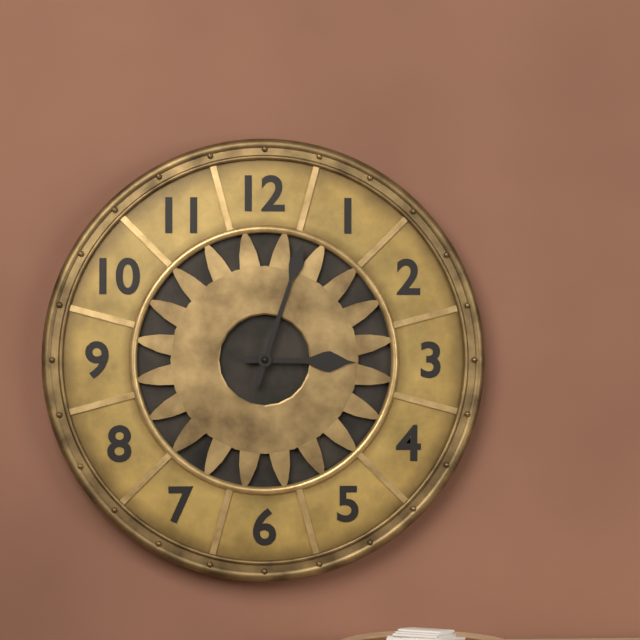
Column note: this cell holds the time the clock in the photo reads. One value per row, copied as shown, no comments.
3:03
